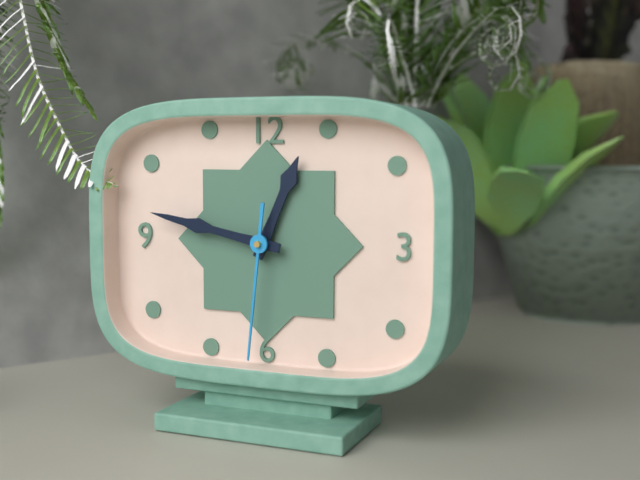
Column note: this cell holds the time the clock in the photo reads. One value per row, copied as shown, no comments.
12:47:31
